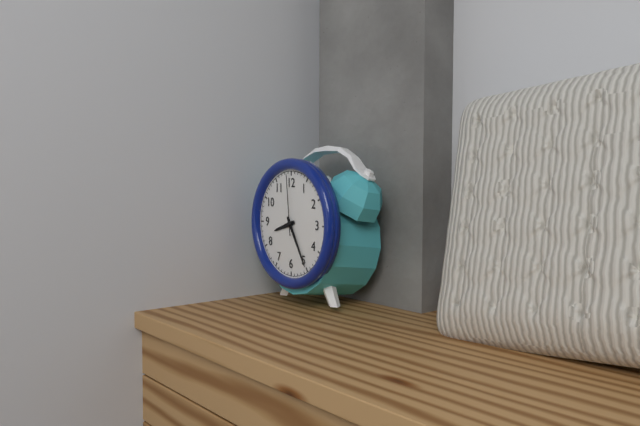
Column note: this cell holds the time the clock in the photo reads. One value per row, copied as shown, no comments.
8:25:59
